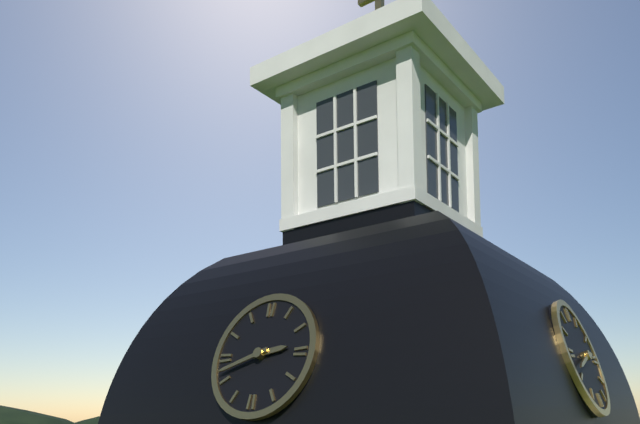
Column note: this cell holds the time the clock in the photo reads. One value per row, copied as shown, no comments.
2:42
